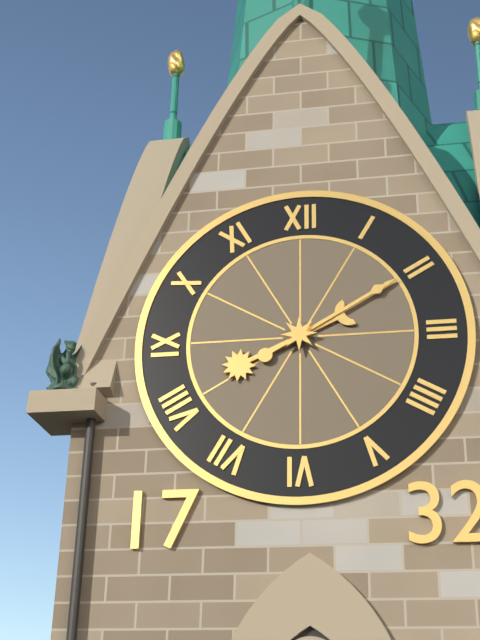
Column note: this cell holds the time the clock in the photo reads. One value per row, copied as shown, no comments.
8:10
